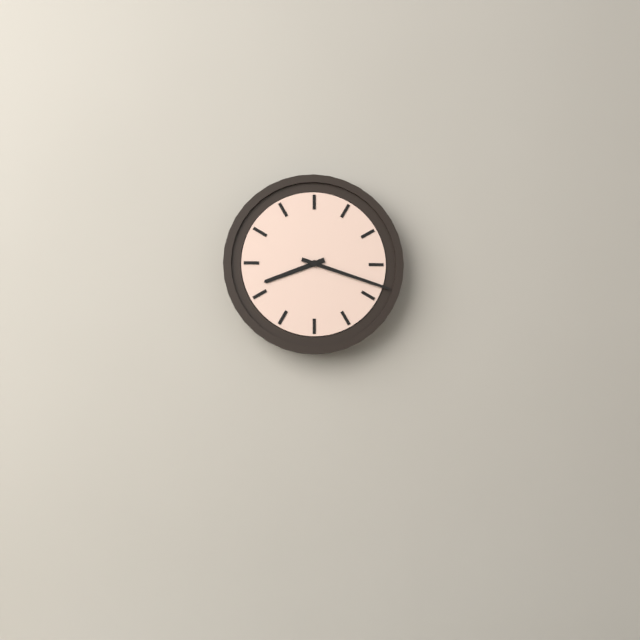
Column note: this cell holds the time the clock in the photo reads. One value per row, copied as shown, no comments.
8:18
